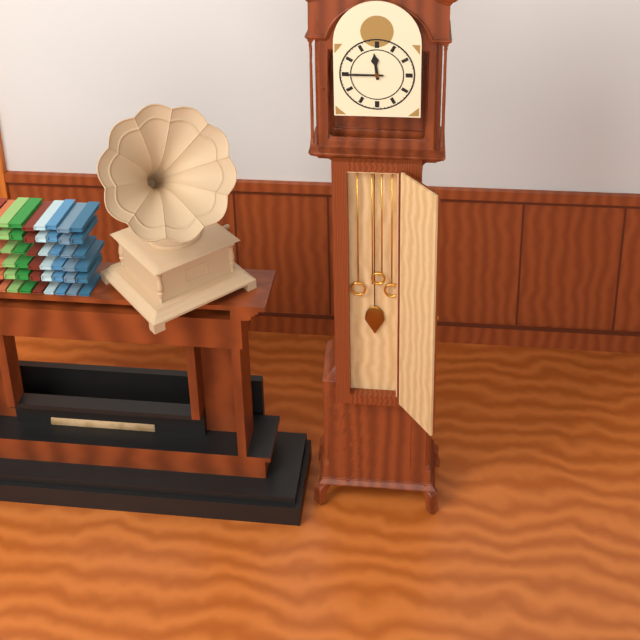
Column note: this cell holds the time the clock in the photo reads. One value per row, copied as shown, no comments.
11:45
